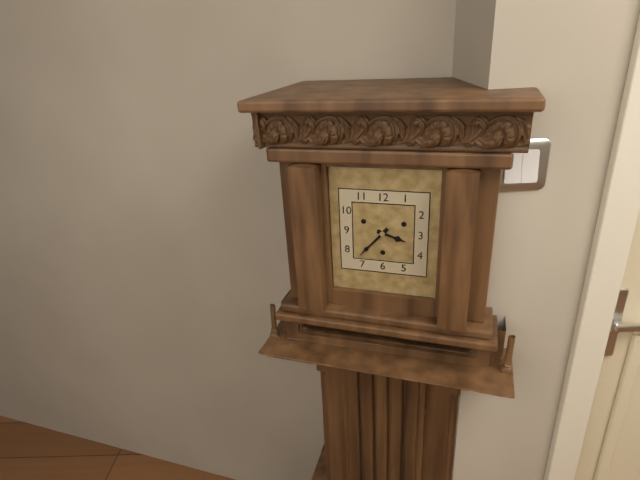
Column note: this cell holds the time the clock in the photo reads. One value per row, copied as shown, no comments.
3:37
